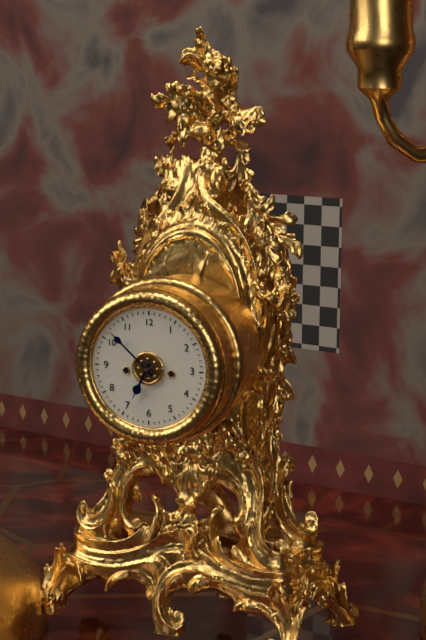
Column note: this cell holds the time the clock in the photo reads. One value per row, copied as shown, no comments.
6:52
